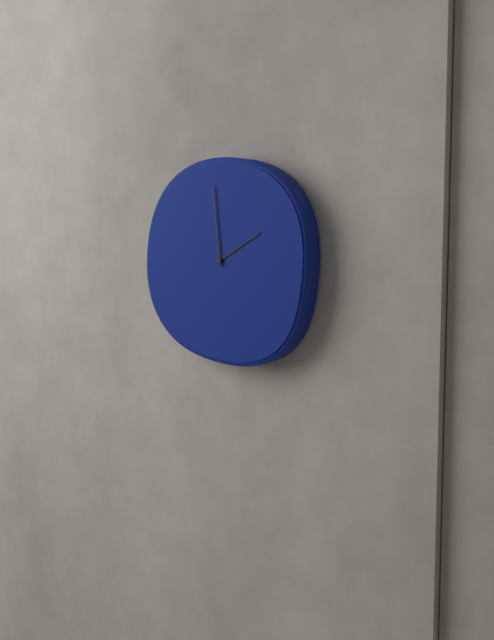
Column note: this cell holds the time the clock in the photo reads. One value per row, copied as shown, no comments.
1:59
